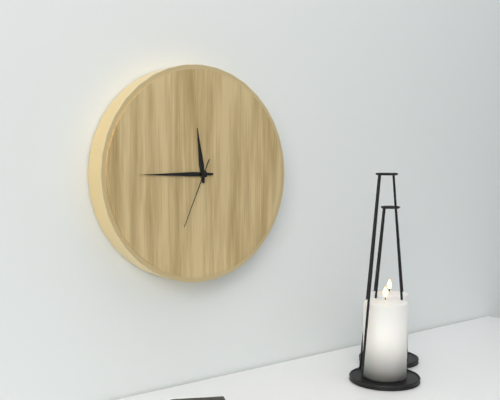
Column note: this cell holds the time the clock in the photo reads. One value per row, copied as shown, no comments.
11:45:34
